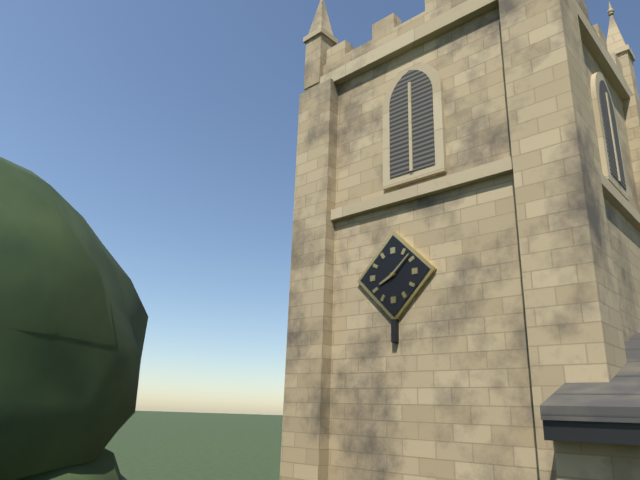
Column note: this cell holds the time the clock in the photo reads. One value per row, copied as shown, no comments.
8:08
